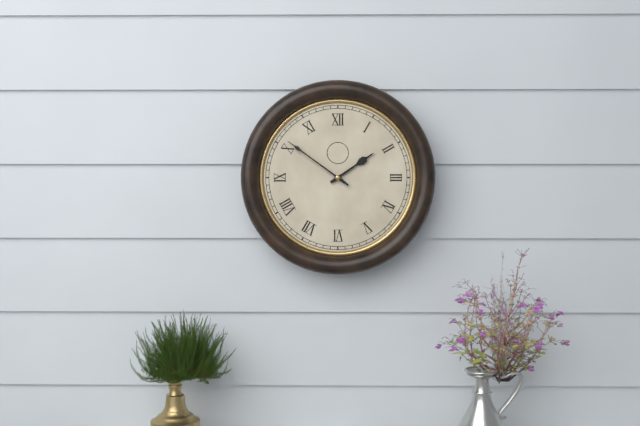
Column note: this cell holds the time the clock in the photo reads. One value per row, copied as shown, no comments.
1:51
